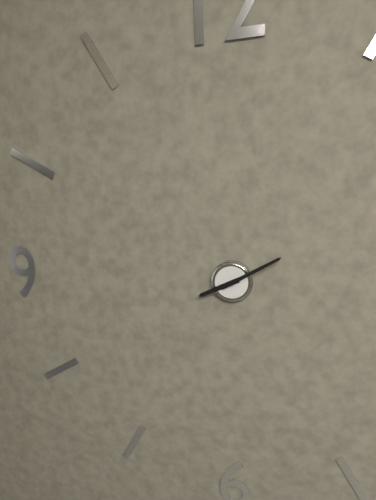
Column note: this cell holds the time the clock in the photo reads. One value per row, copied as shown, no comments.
8:10
